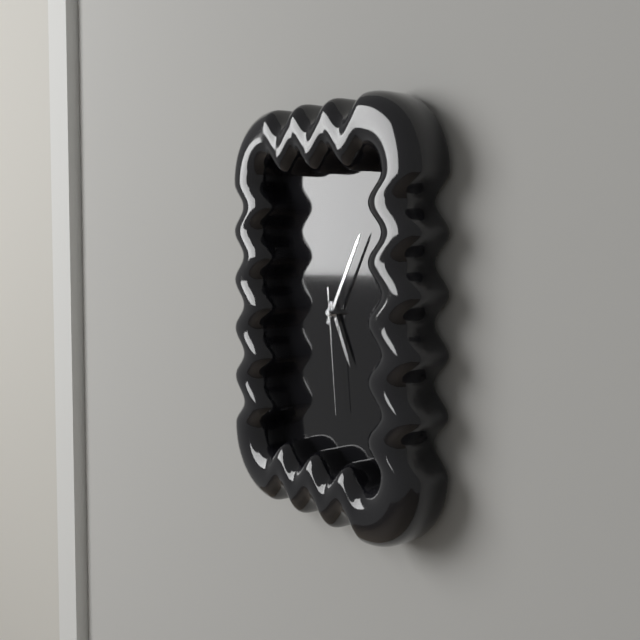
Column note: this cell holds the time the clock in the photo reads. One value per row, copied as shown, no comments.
5:05:29
